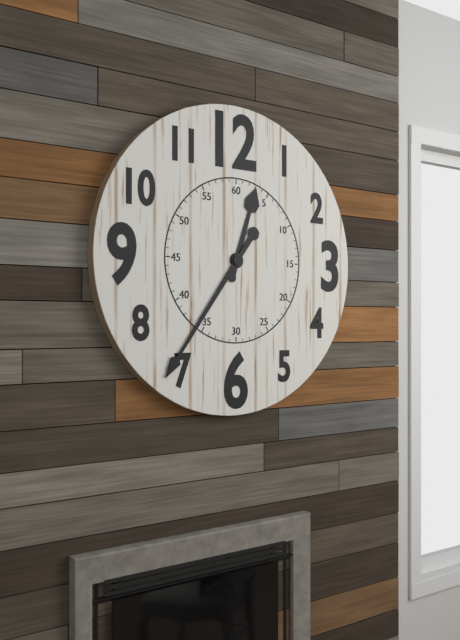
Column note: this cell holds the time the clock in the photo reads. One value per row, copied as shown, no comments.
12:36
